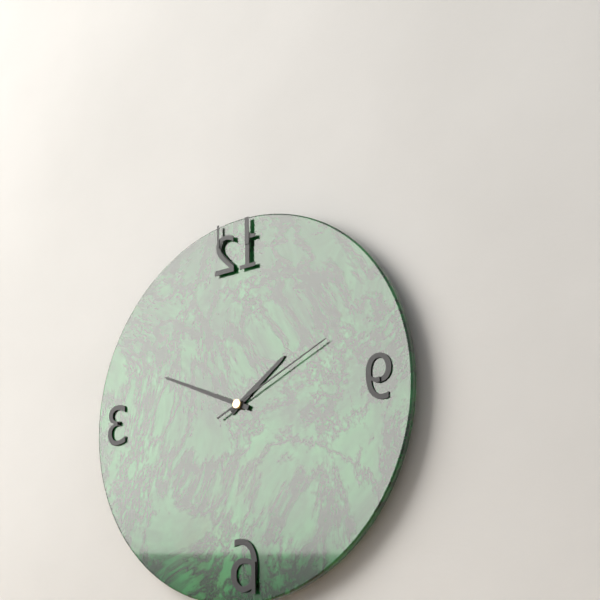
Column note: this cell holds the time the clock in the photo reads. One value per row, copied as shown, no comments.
1:49:11
